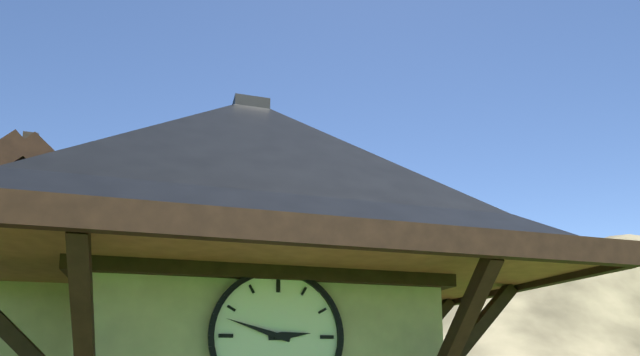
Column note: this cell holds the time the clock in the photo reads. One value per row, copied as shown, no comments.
2:48
